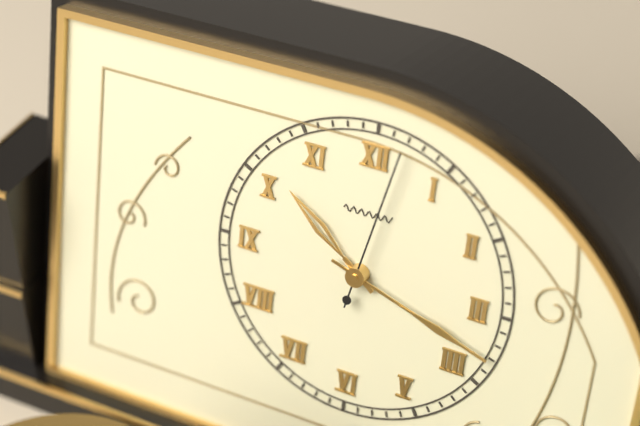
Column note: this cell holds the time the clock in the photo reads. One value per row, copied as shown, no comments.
10:18:02
